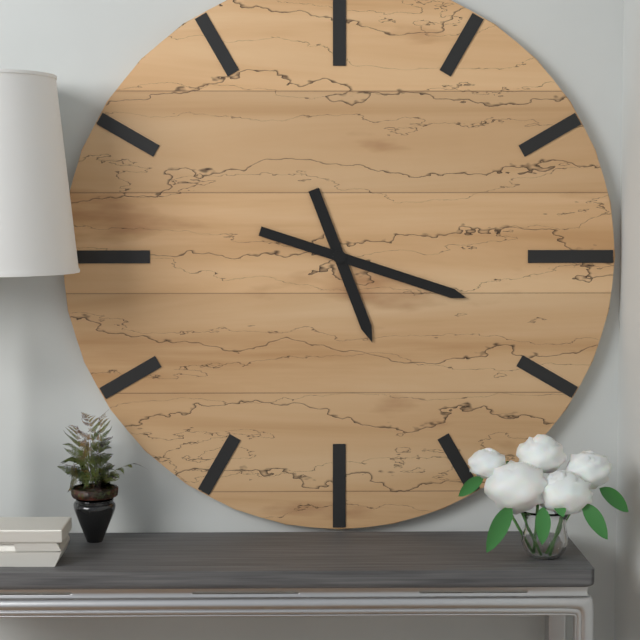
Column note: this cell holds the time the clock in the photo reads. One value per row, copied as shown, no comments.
5:18
